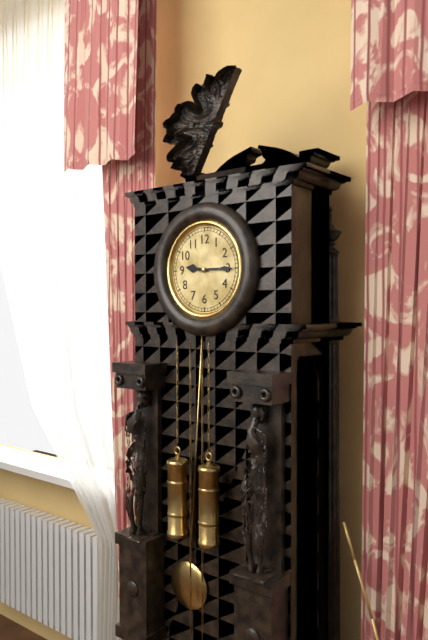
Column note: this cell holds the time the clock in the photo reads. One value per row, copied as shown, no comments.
9:15
